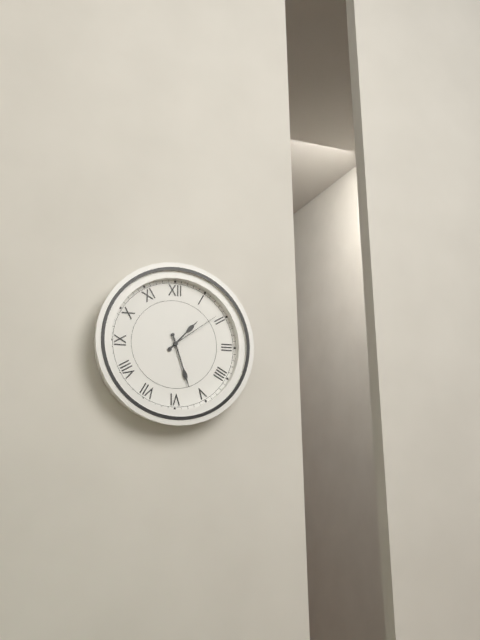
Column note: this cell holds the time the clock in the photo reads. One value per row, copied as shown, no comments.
1:27:09
